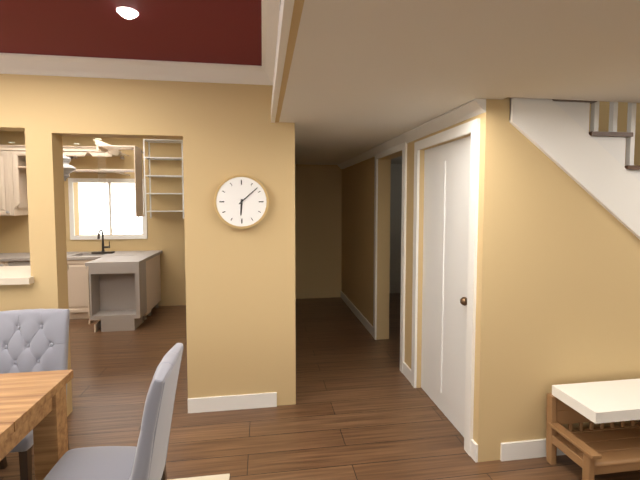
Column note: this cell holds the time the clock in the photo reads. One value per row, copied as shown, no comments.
6:08
